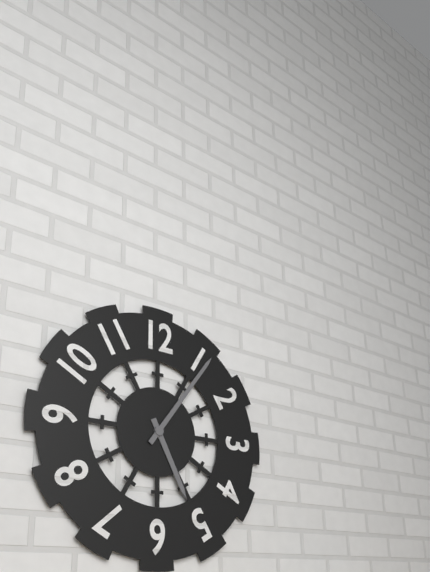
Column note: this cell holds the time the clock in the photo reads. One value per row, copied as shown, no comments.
5:06
